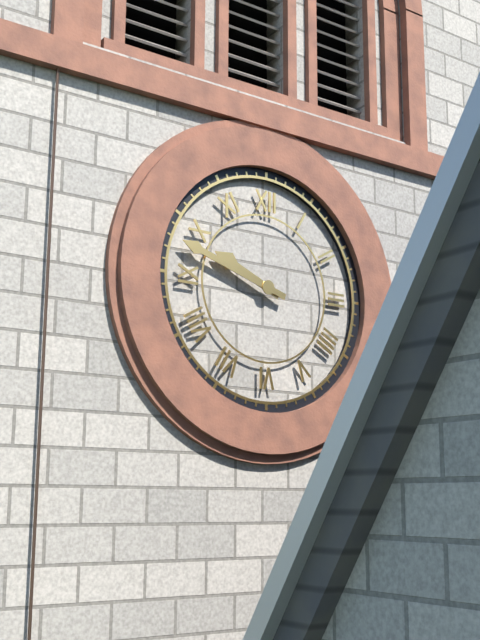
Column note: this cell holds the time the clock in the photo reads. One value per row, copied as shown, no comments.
9:48
